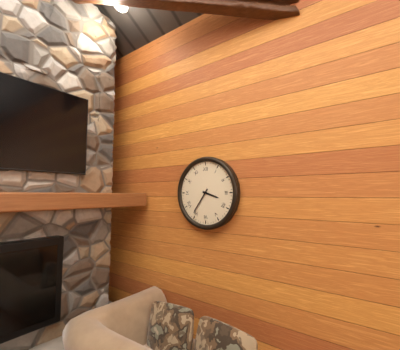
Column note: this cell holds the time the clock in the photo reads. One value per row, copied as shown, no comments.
3:36
